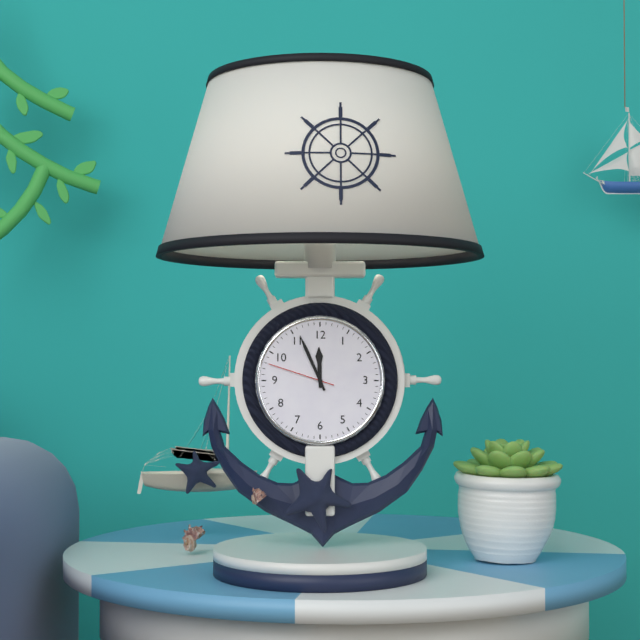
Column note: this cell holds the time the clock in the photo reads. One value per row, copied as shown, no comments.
11:56:48
